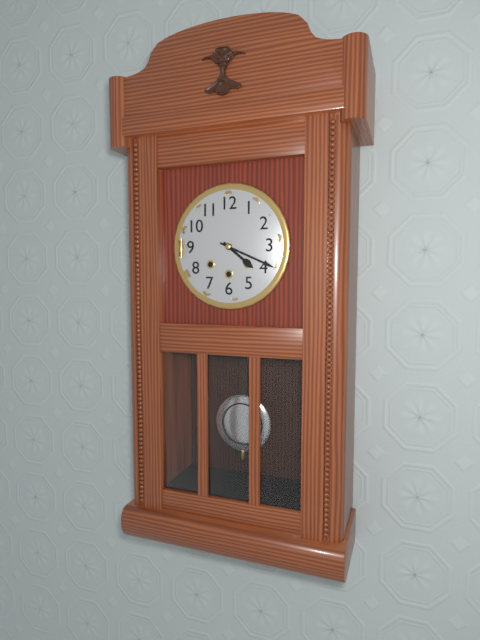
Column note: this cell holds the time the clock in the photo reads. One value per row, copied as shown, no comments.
4:19
